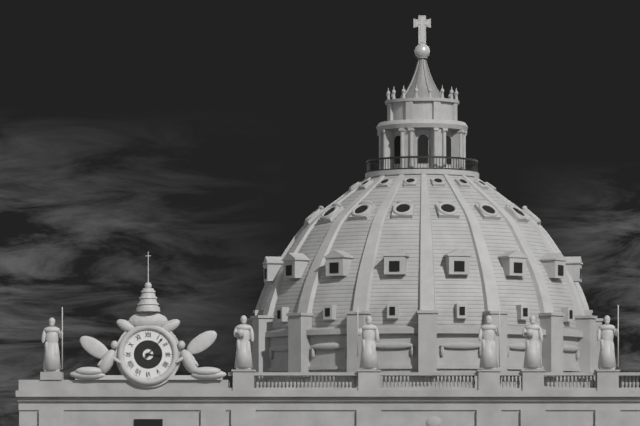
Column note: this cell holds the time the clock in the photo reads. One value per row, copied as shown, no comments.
3:07
